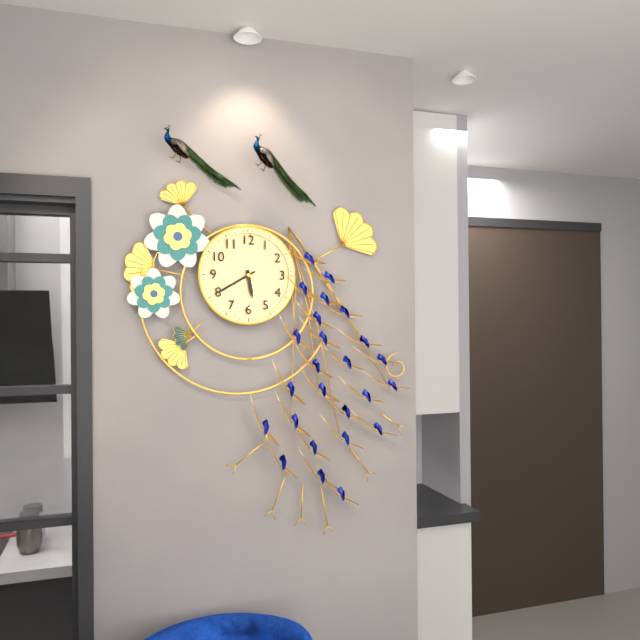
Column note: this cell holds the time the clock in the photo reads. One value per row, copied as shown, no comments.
5:40
